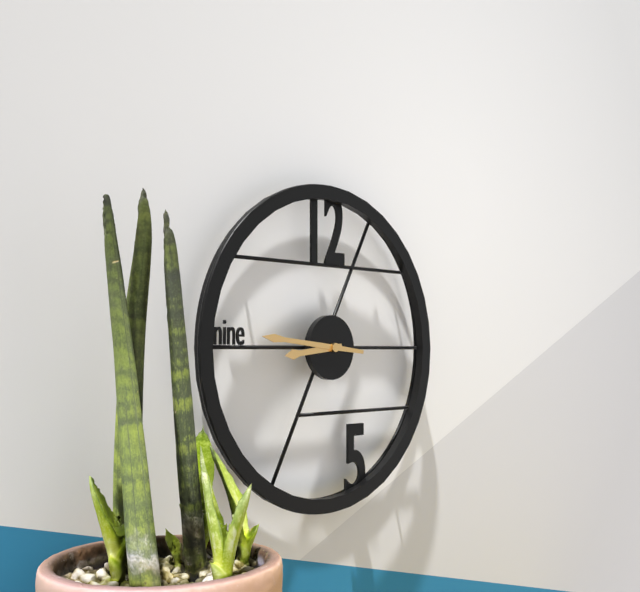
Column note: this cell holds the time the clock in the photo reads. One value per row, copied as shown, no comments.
8:46
